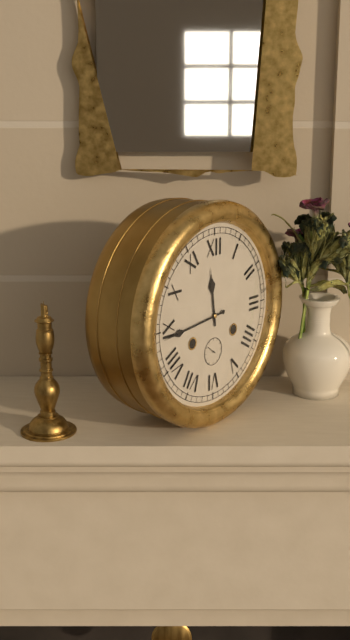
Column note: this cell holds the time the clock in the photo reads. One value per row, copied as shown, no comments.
11:44
